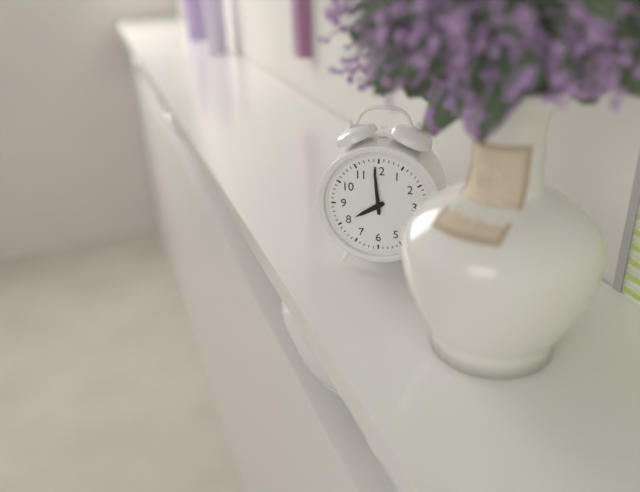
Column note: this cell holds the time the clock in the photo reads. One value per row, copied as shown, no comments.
7:59
